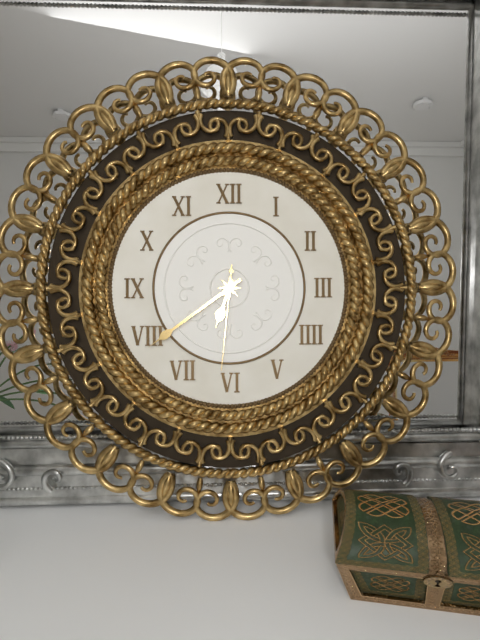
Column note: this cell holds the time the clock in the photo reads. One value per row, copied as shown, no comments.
6:39:31
